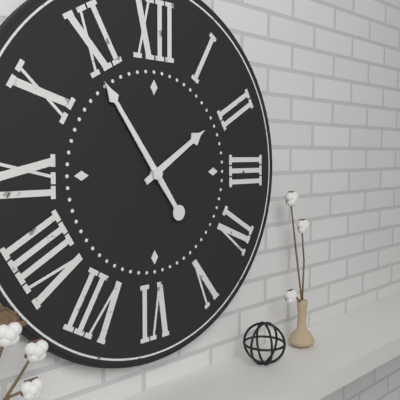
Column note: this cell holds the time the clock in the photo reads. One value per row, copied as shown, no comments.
1:54
